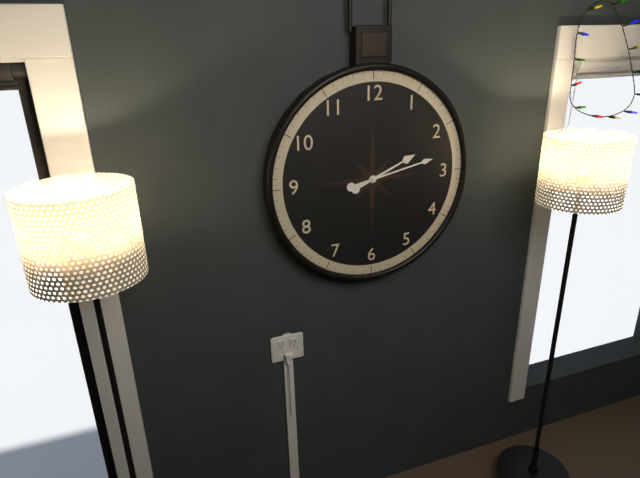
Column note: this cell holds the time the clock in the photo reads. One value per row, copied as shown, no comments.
2:13
